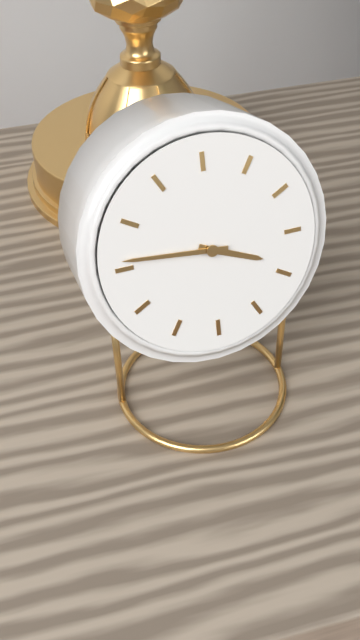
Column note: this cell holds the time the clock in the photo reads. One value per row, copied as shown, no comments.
3:46
